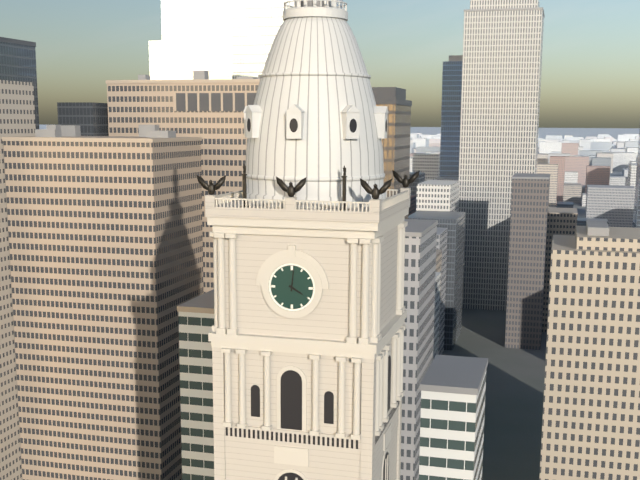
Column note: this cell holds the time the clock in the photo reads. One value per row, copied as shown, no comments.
4:01
